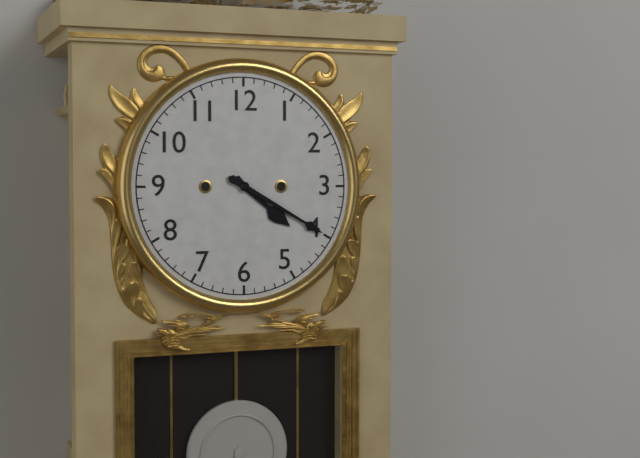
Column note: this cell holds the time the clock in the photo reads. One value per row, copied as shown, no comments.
4:20
